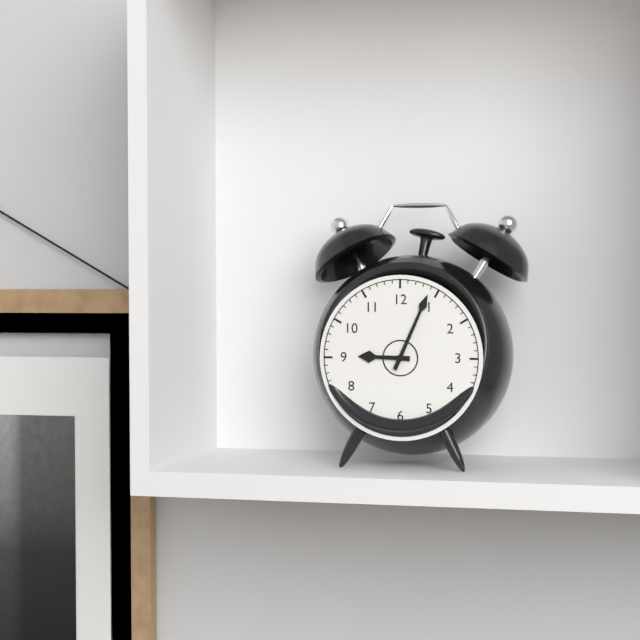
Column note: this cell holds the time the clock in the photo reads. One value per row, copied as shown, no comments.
9:04
